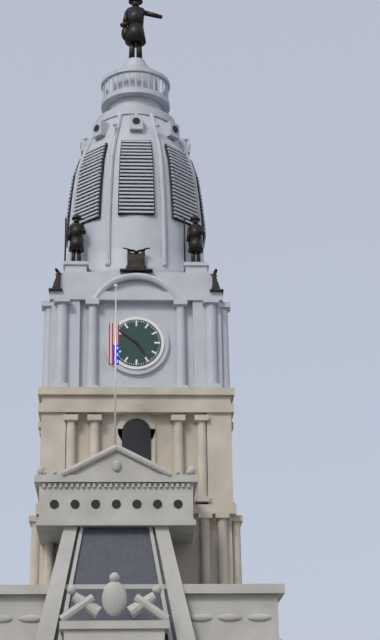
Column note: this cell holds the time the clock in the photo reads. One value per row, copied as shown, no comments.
4:51
